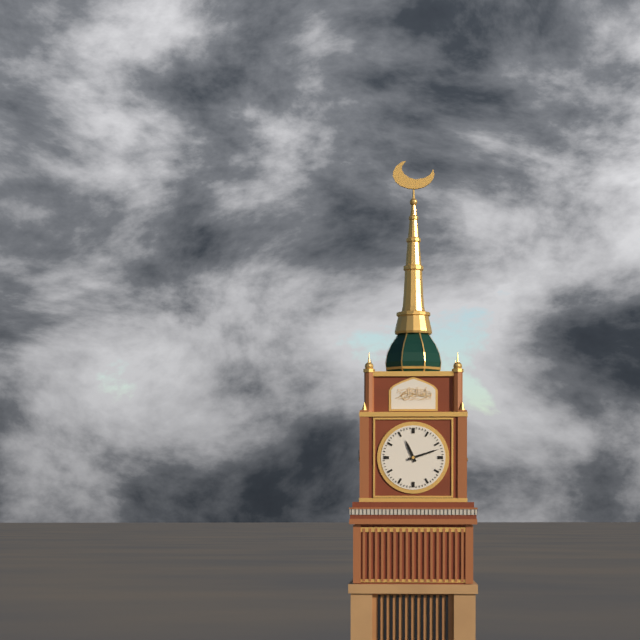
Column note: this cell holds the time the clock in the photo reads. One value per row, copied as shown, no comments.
11:12
